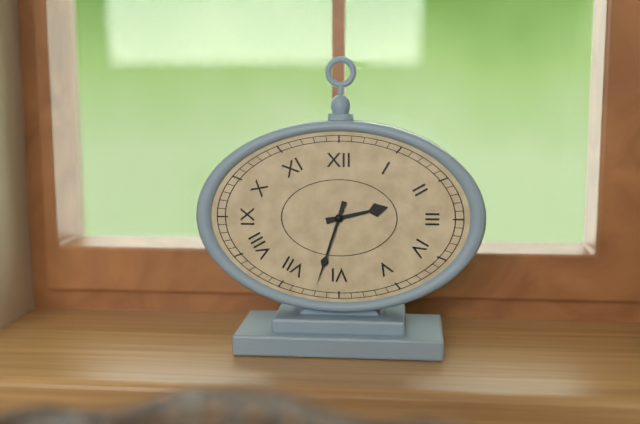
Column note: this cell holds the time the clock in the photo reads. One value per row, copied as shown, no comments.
2:33
